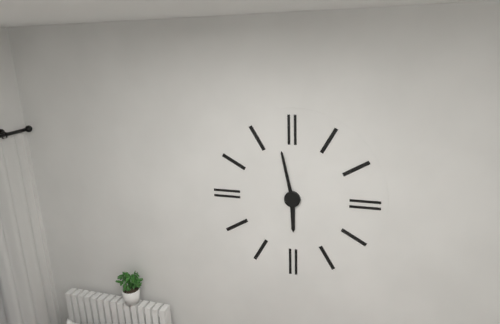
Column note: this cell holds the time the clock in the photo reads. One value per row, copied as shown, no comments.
5:58
